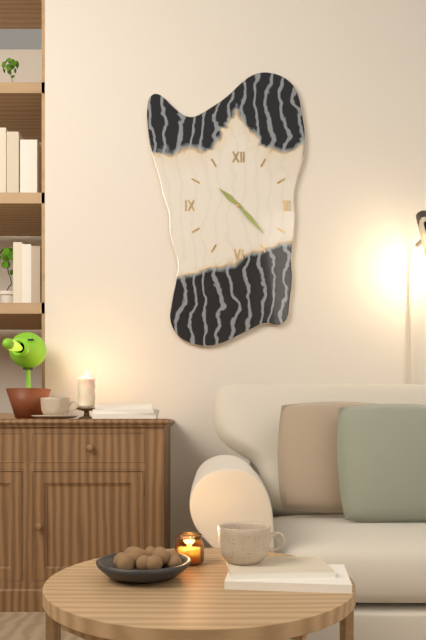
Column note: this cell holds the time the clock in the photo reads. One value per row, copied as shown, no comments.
10:23
